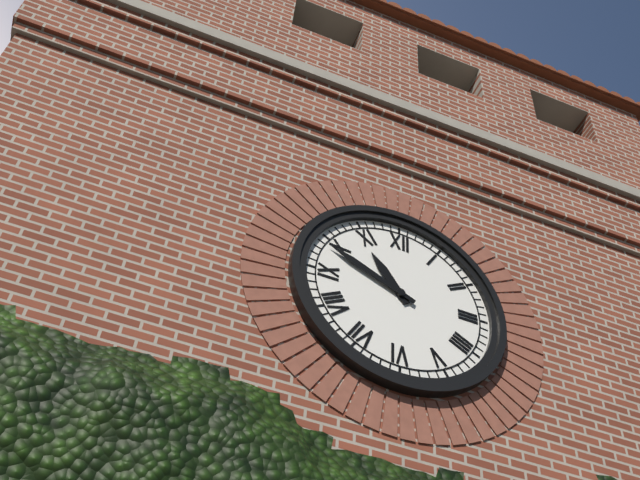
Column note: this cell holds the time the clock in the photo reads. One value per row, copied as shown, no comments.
10:49
